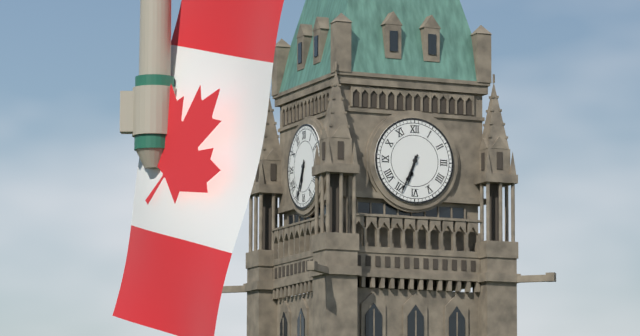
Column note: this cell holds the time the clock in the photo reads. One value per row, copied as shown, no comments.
6:34
